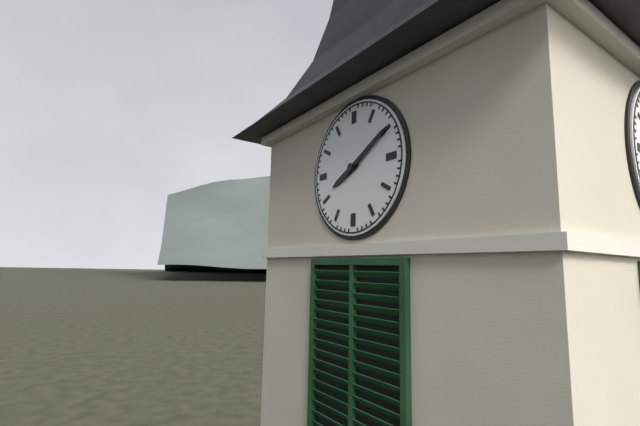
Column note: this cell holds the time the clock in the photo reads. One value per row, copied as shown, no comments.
8:10
